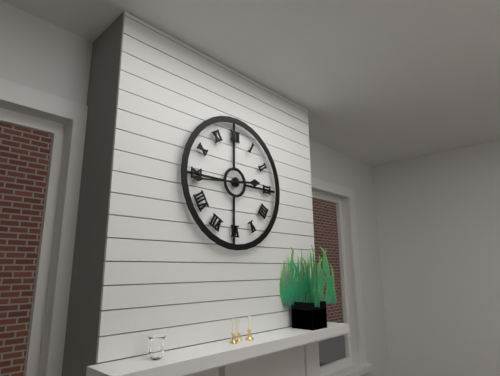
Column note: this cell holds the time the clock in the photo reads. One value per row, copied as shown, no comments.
2:44
